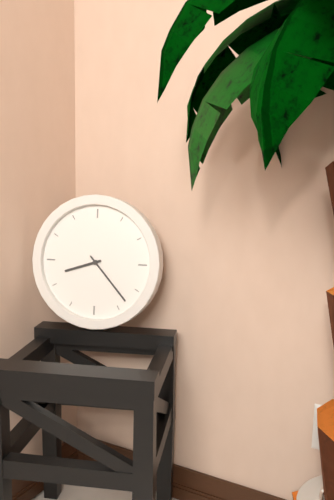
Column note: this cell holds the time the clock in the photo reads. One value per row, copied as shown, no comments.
8:23
